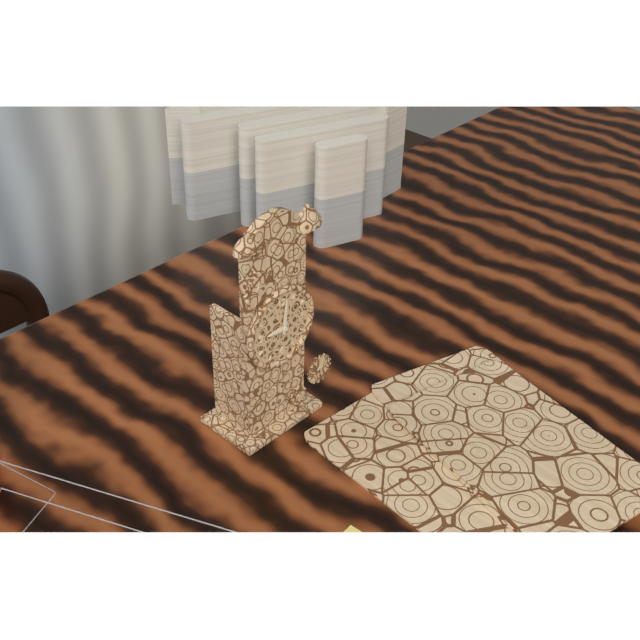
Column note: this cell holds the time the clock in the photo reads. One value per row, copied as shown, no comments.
9:01
